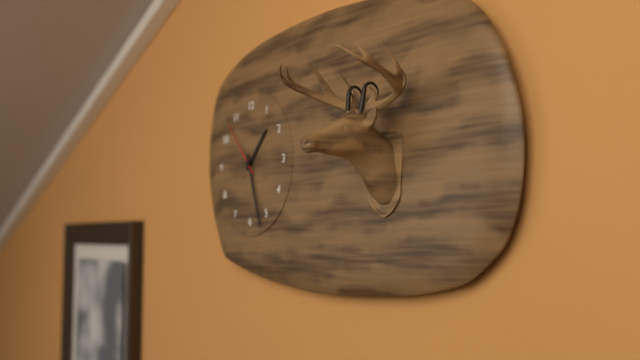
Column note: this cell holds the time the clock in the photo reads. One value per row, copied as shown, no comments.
1:27:53
